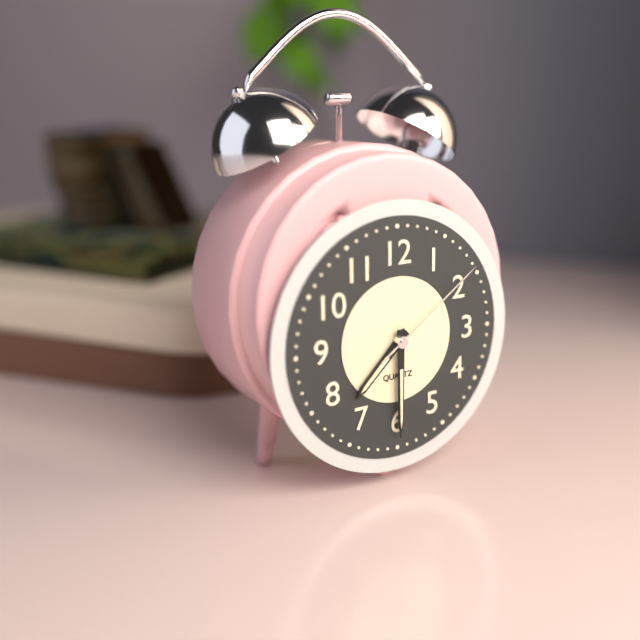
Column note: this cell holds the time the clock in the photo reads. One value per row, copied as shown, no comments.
7:30:09
